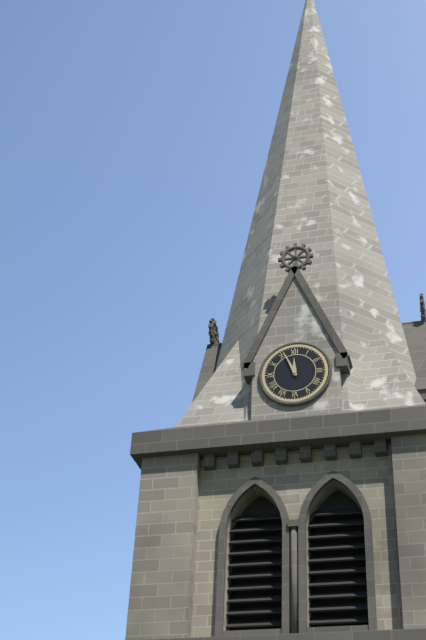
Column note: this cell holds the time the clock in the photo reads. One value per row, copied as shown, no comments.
11:56
